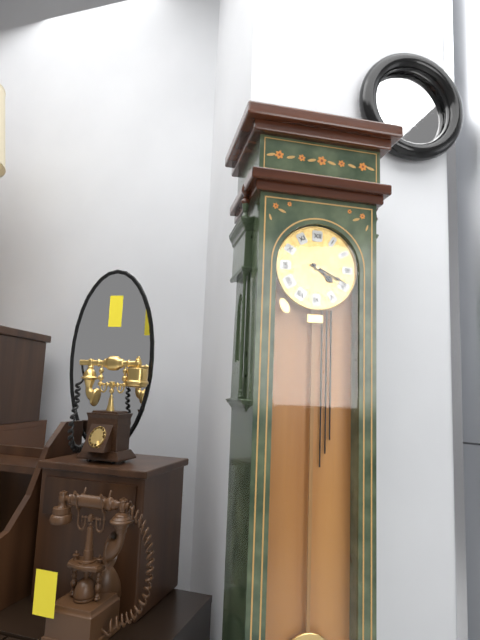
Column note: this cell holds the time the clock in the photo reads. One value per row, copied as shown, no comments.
4:19
